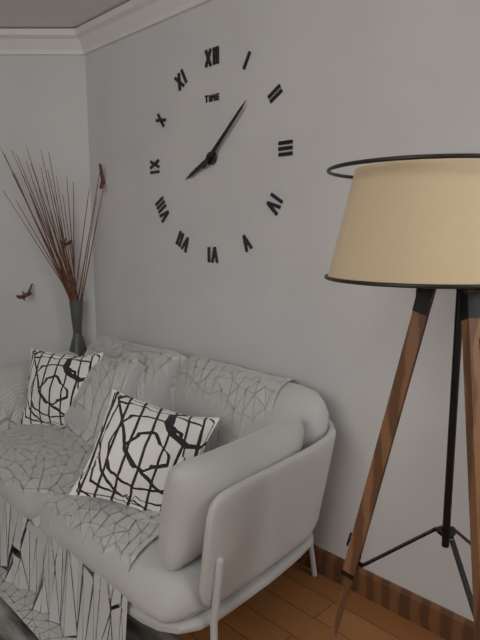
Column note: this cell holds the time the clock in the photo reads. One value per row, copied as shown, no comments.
8:08
